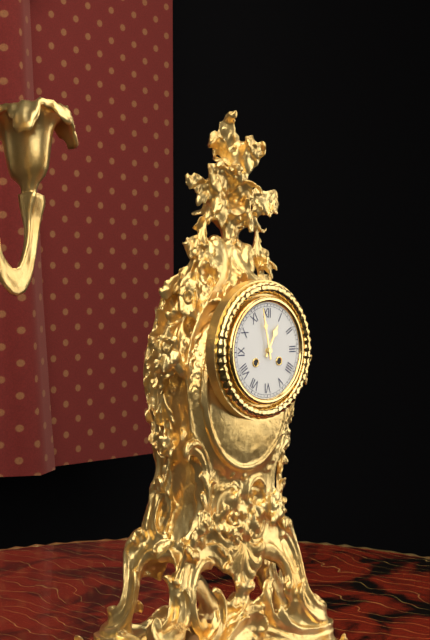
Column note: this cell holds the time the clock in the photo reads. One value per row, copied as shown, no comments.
12:58
